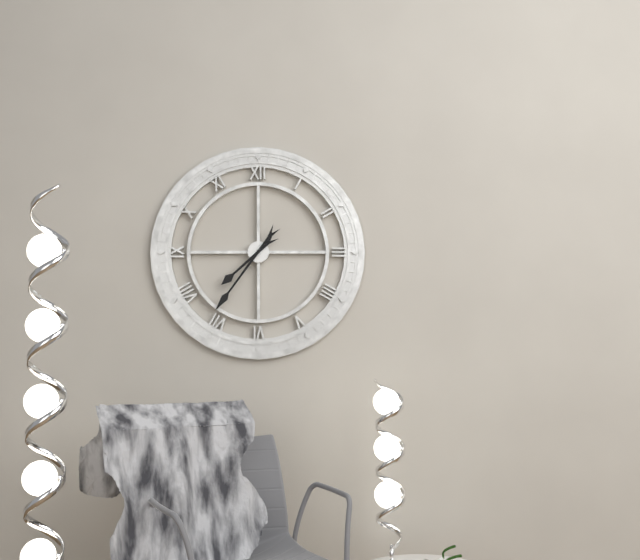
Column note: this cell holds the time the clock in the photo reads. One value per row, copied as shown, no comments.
7:36
